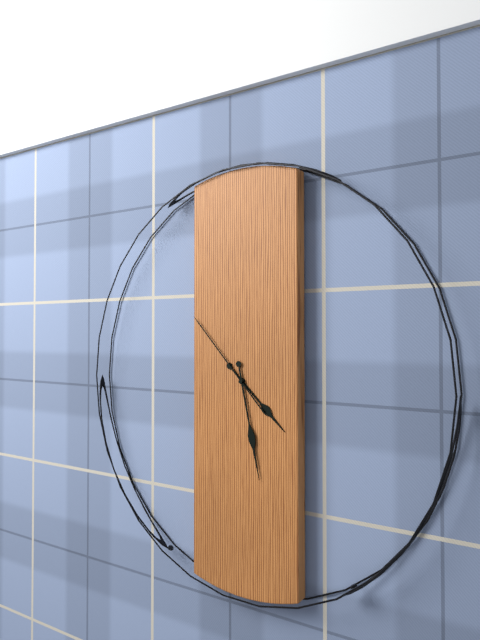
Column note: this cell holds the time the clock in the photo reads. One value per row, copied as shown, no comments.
4:28:53
